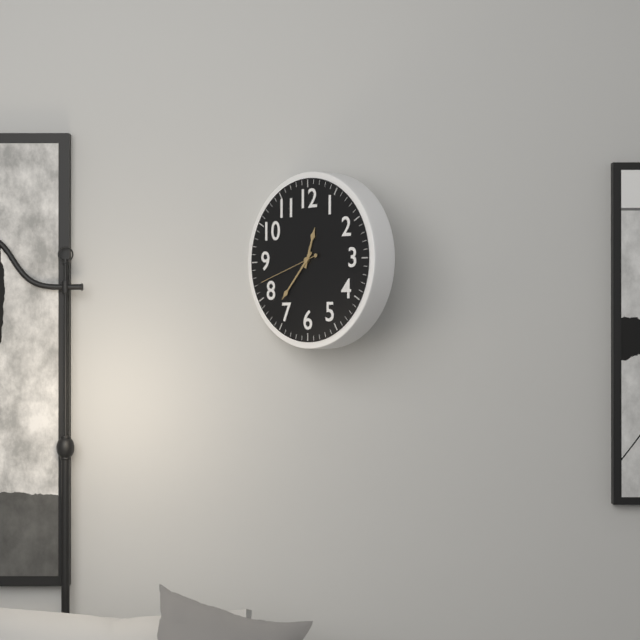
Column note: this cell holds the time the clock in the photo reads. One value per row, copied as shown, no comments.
12:37:42
